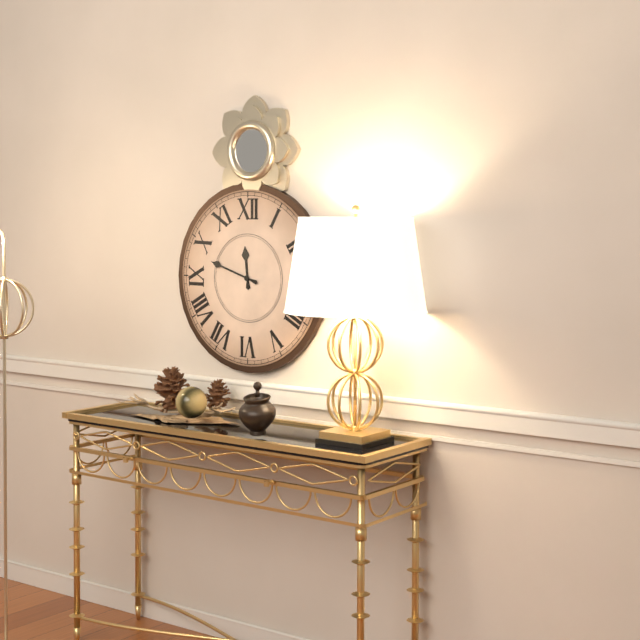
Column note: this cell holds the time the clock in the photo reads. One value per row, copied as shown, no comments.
11:48
